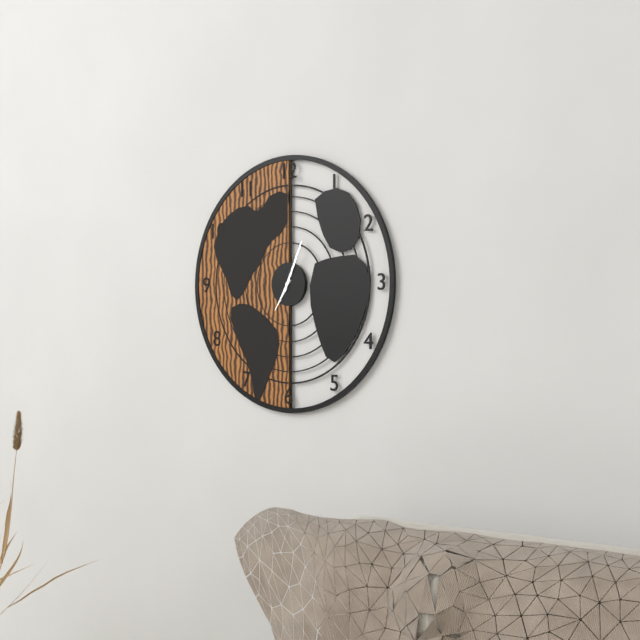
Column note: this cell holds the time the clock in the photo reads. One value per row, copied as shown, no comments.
7:04
